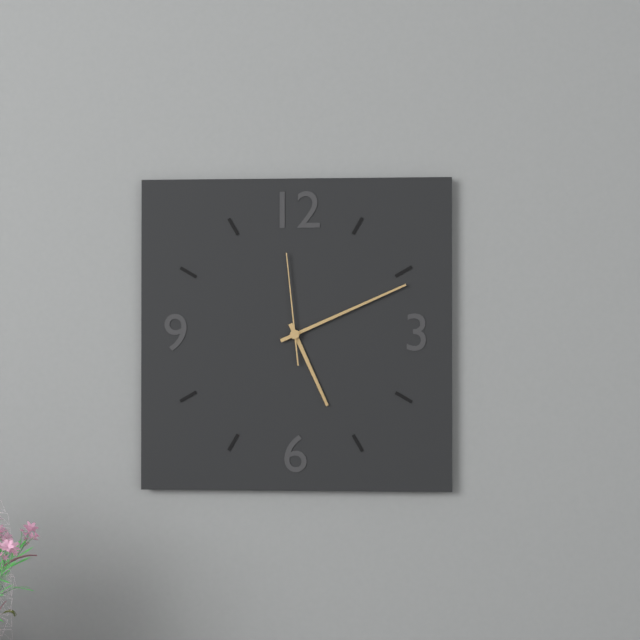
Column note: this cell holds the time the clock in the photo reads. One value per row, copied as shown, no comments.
5:11:59
